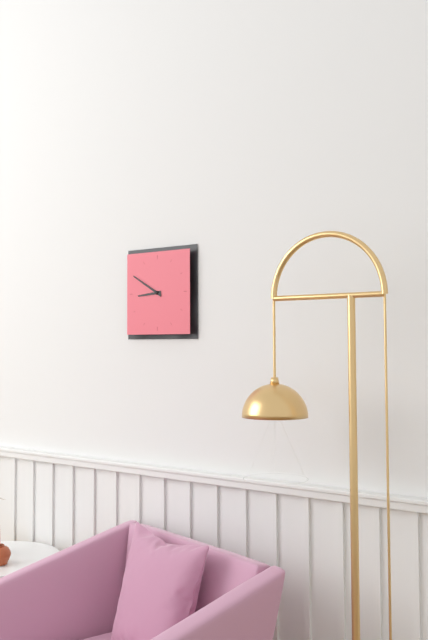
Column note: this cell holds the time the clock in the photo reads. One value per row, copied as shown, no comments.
8:50
